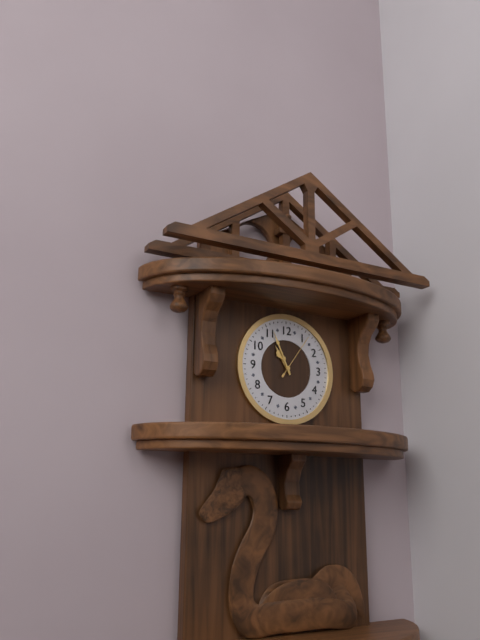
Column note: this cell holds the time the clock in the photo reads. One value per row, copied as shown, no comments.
10:56:06
